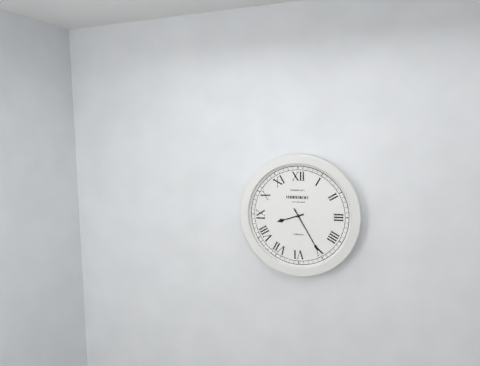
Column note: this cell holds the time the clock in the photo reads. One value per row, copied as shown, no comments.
8:25
